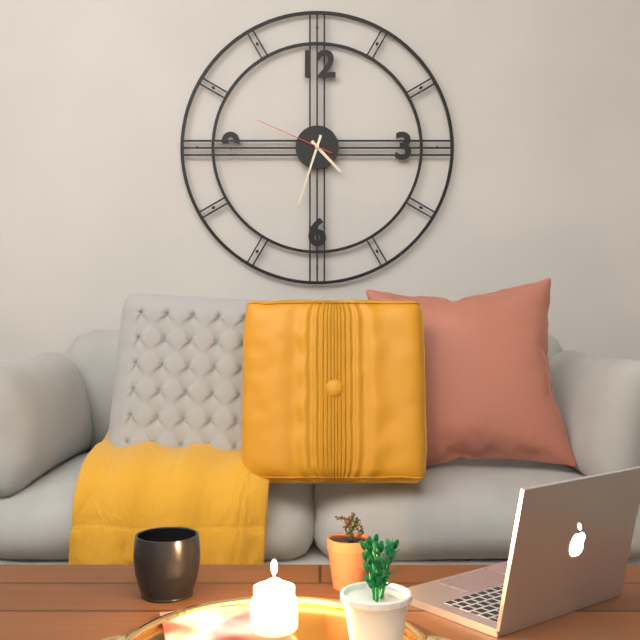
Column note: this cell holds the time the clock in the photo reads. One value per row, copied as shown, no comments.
4:33:49
